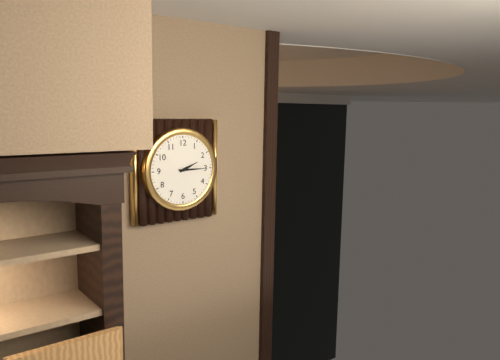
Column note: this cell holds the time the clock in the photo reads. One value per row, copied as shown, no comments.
2:15
